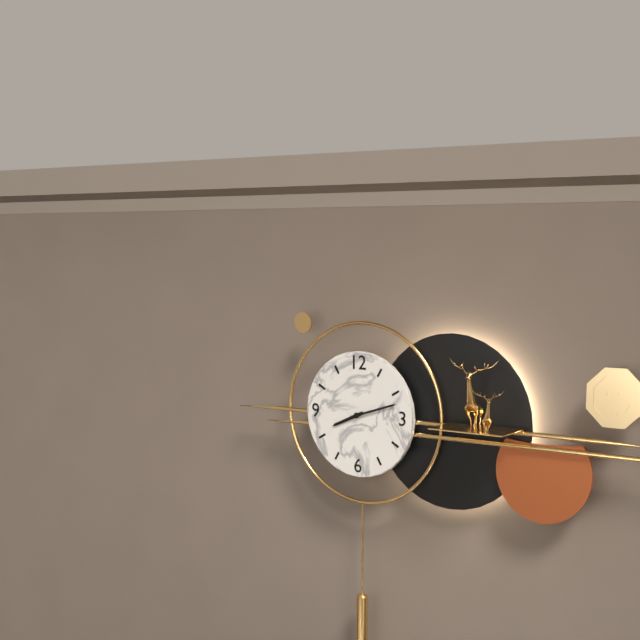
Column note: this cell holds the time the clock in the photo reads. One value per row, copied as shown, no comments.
8:12
